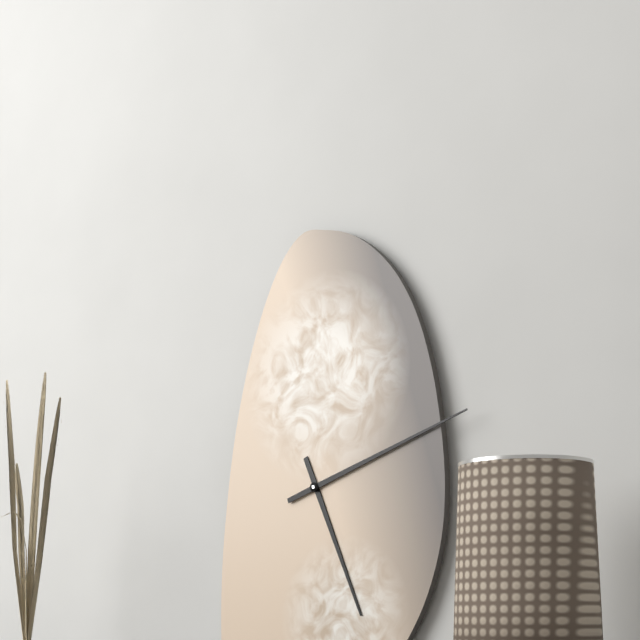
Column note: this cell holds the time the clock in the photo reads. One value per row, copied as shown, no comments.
5:12
